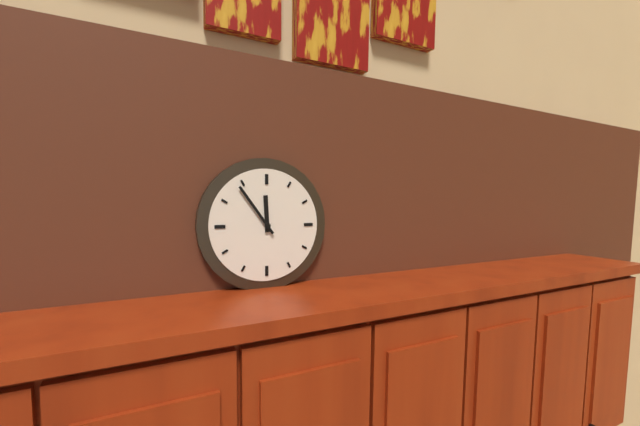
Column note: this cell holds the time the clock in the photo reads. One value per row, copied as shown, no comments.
11:54
